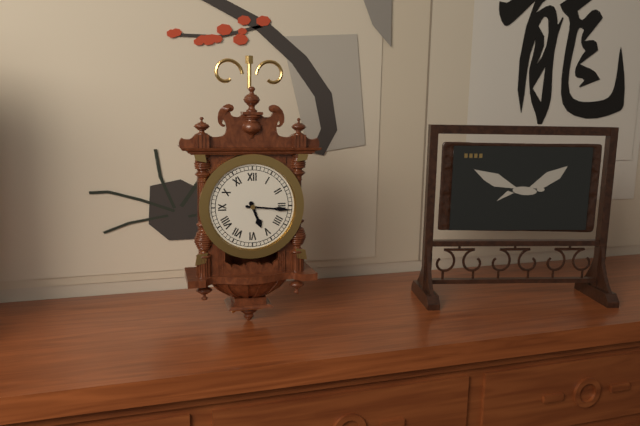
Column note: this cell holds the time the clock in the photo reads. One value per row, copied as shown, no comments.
5:16
